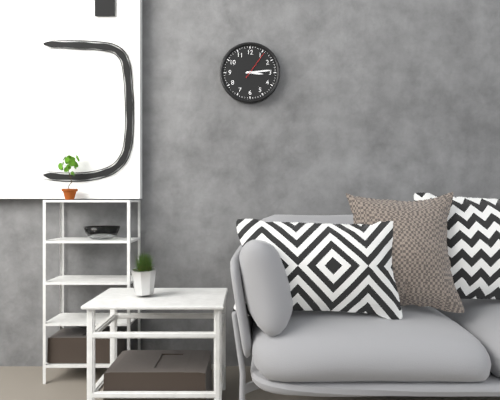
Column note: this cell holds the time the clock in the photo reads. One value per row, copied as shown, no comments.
3:14
